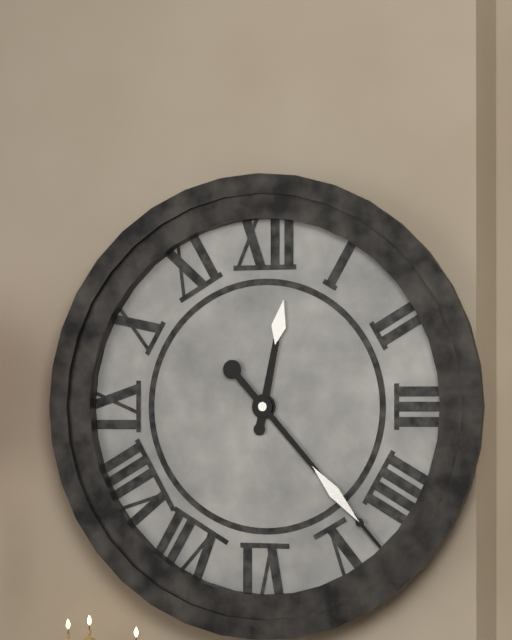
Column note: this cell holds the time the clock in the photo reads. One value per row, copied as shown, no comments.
12:23
